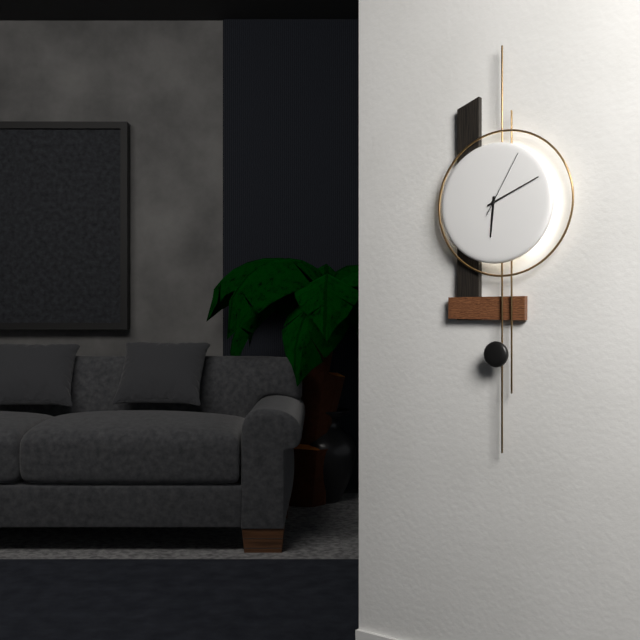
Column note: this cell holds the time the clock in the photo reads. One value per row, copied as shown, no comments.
6:11:05
